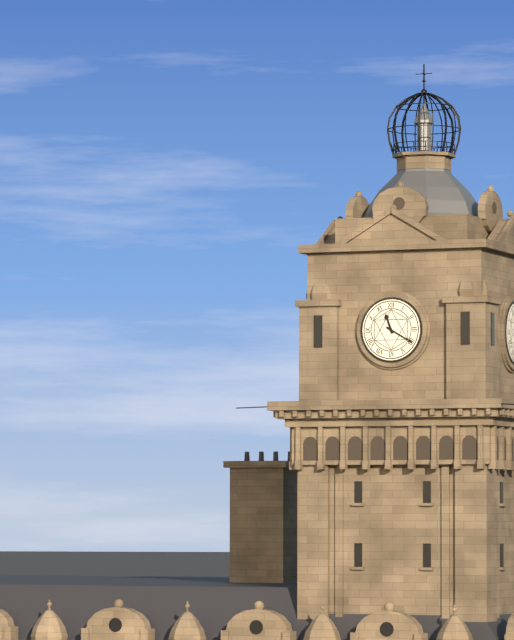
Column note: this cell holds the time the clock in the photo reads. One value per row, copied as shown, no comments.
11:20
